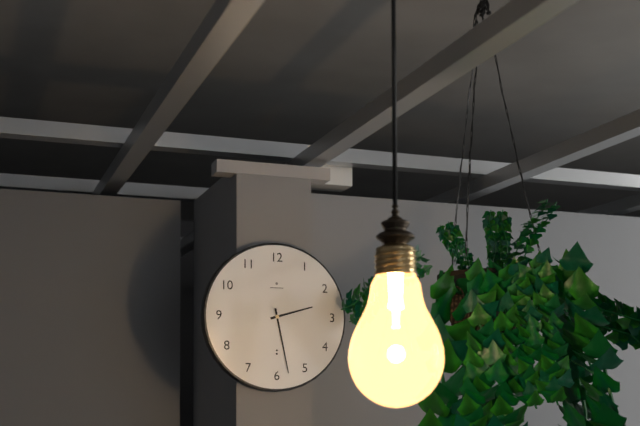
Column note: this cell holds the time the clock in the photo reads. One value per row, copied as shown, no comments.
2:28
